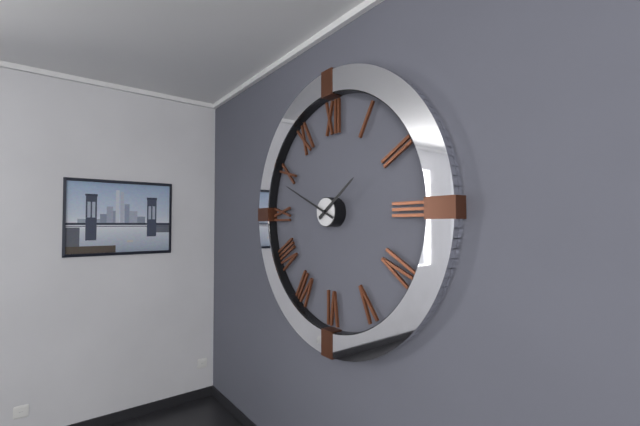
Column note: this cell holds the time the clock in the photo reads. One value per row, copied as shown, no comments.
1:49
